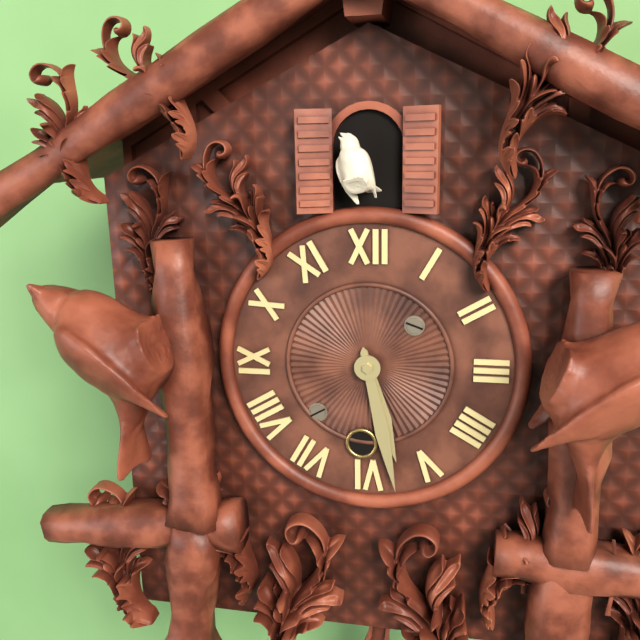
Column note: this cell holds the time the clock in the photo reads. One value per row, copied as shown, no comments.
5:28
